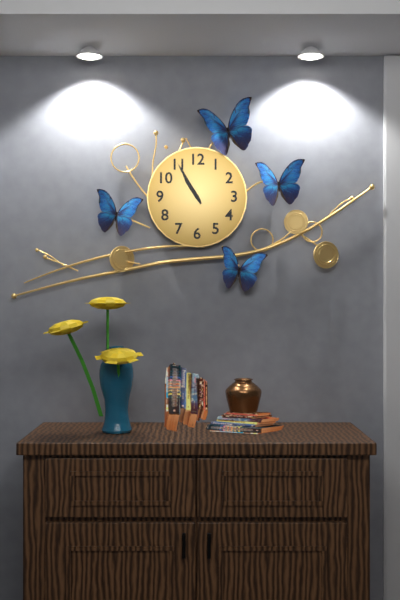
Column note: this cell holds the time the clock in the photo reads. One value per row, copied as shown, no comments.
10:55
